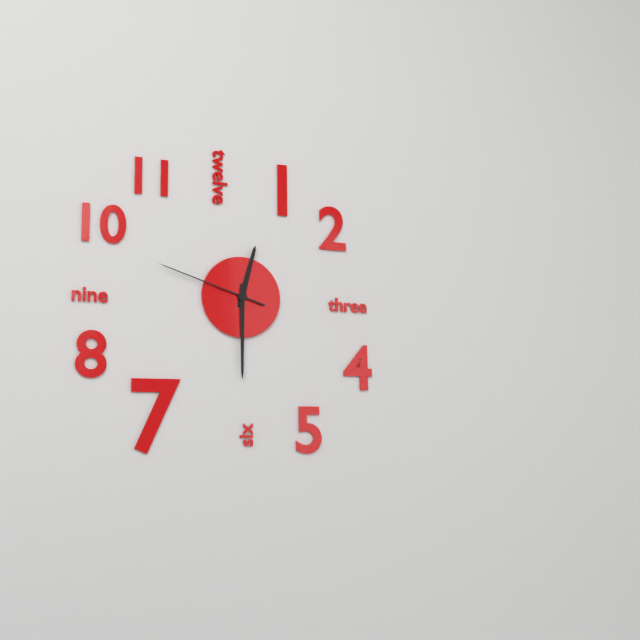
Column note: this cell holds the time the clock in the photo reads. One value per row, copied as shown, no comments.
12:30:48
